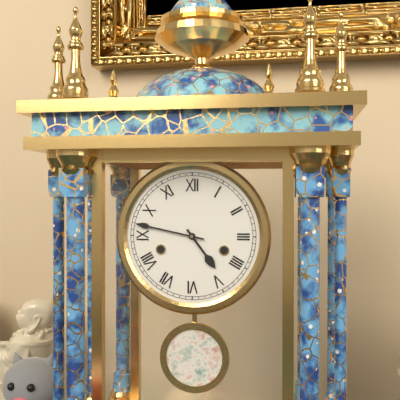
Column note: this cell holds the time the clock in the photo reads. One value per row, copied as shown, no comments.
4:47
